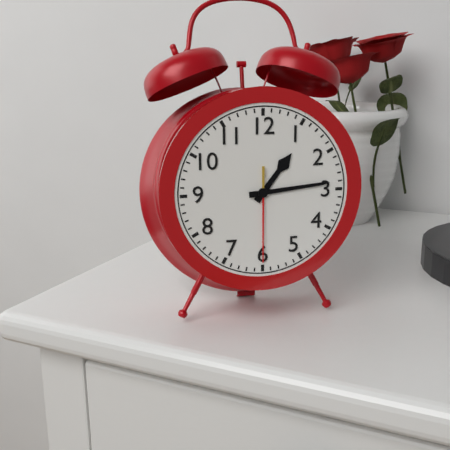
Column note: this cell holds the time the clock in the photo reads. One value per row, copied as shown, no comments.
1:14:30
